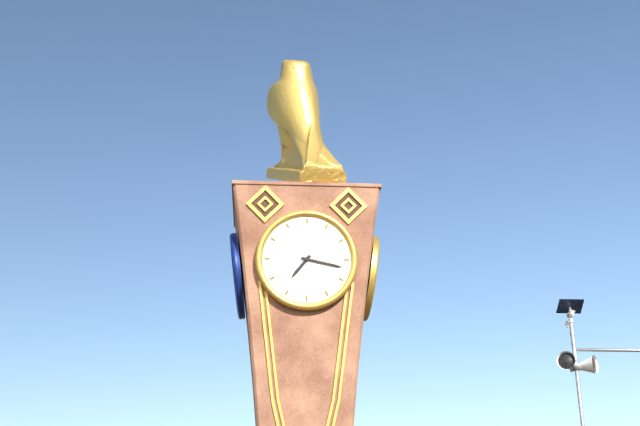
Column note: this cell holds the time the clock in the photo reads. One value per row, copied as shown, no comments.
7:17
